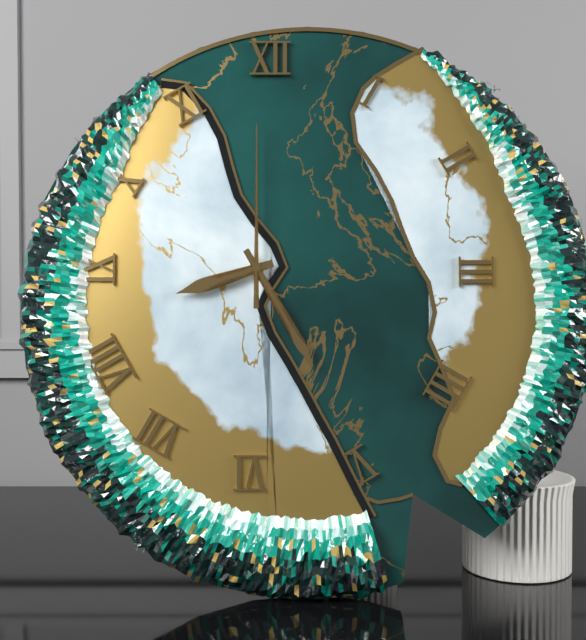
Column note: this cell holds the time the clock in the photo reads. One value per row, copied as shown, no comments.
8:25:00
